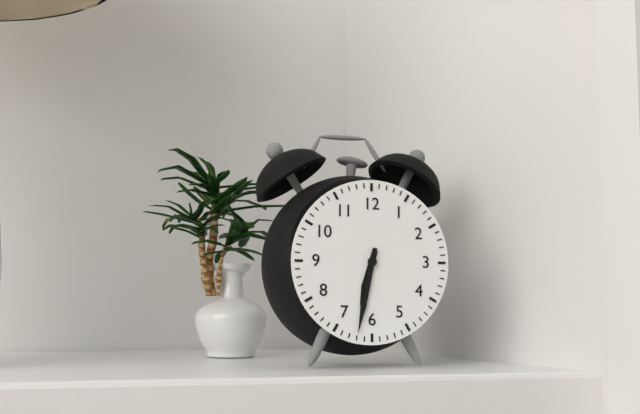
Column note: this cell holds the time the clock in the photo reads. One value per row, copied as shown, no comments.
6:32
